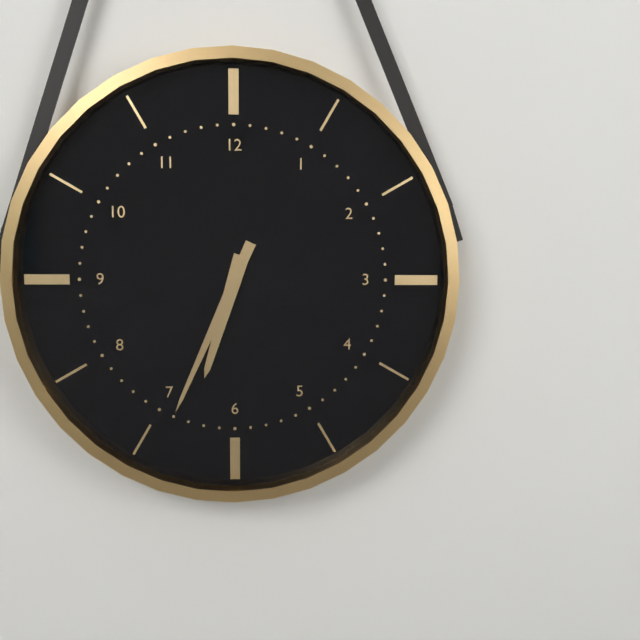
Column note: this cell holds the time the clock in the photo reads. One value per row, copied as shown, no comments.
6:34
